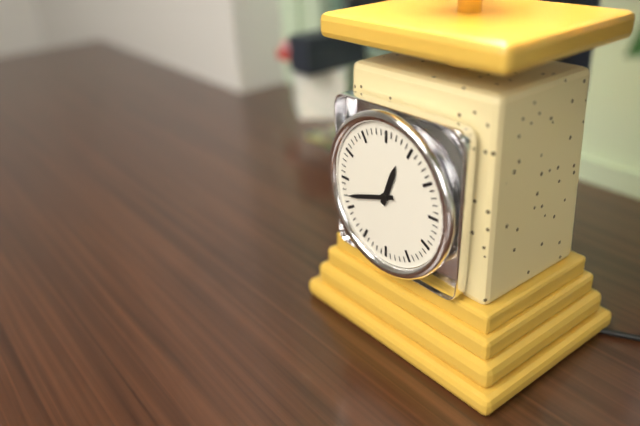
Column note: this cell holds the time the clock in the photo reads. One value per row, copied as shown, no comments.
12:42
